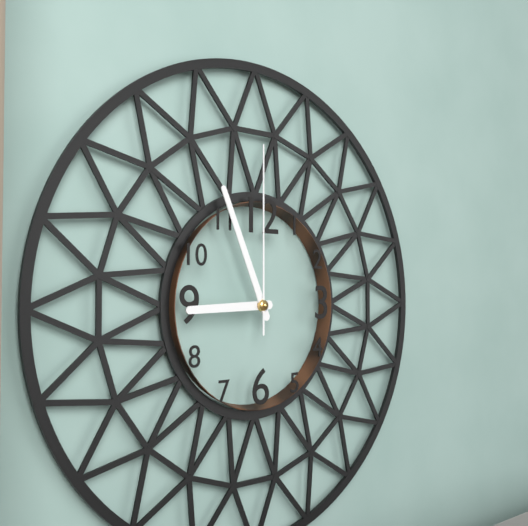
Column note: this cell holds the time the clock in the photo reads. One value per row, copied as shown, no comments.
8:56:00
